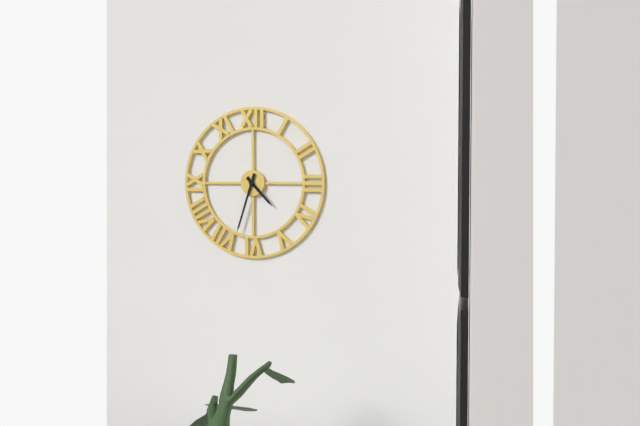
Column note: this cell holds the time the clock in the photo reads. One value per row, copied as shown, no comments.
4:33
